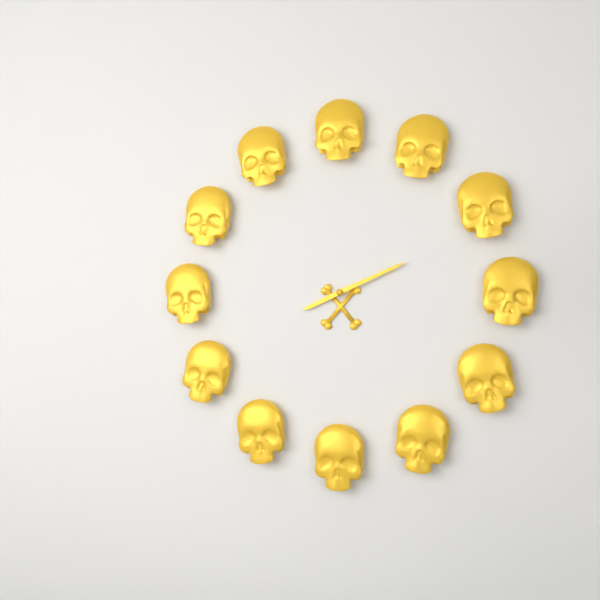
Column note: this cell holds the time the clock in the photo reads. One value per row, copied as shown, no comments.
8:11
